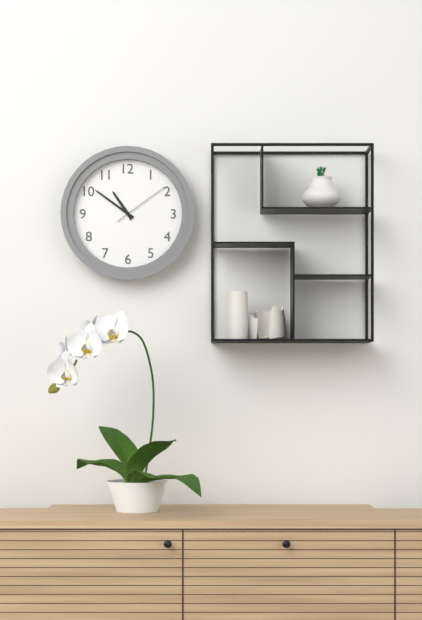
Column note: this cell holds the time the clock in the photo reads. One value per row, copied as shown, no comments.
10:51:09
